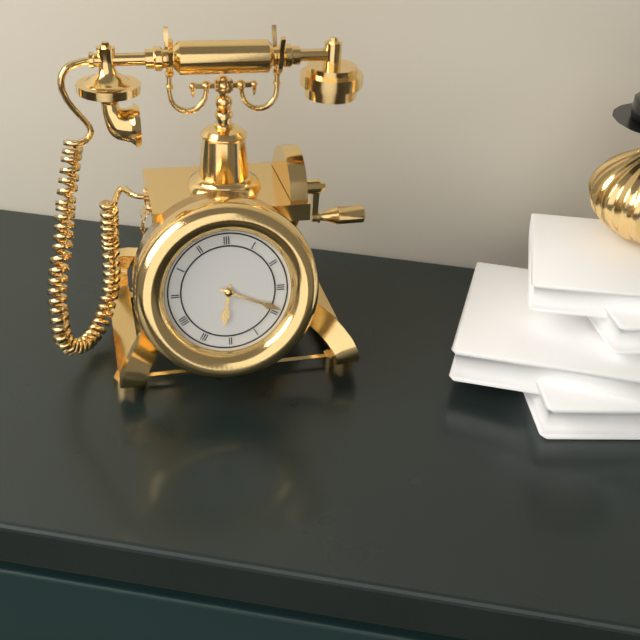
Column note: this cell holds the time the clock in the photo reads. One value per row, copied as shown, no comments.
6:19
